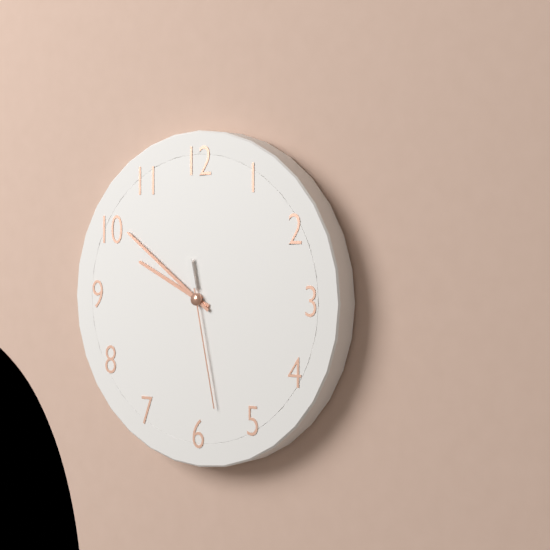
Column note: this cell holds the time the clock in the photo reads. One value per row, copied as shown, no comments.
9:51:28
